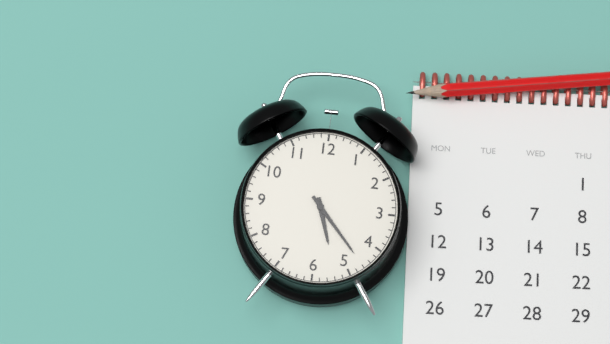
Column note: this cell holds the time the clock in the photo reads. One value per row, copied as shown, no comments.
5:23
